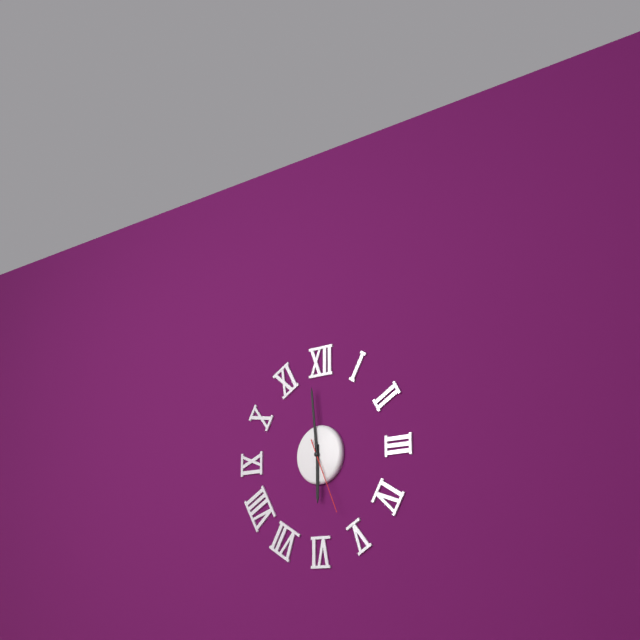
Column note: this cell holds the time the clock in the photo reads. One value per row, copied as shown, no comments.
5:59:26
